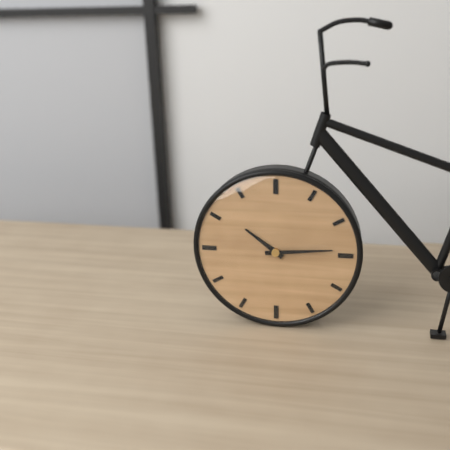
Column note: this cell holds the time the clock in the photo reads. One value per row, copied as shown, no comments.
10:14
